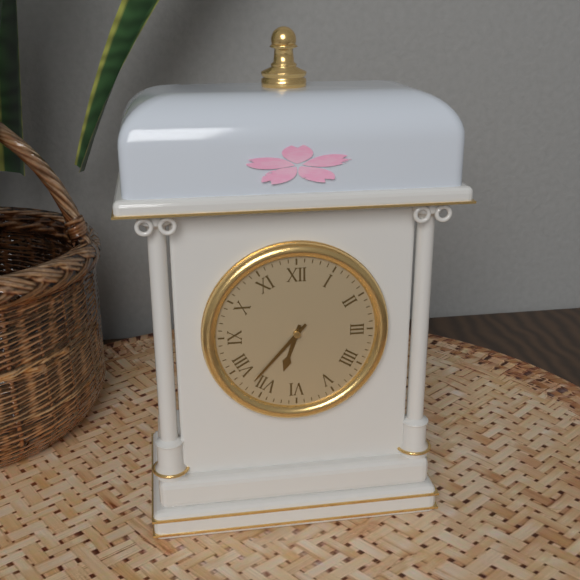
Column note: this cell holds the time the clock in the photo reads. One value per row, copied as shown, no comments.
6:37
